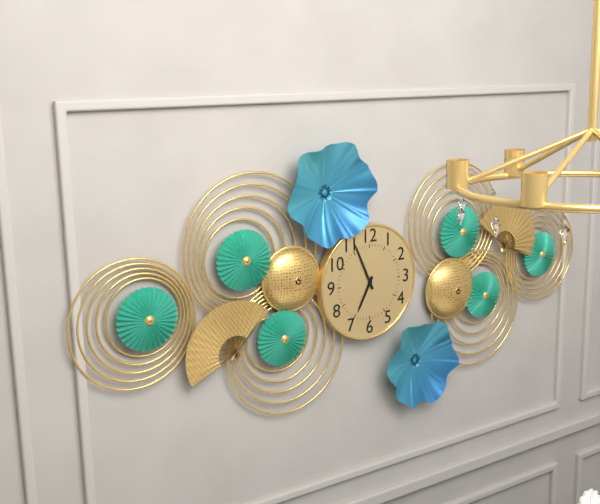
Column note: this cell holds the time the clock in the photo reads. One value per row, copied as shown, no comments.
6:56
